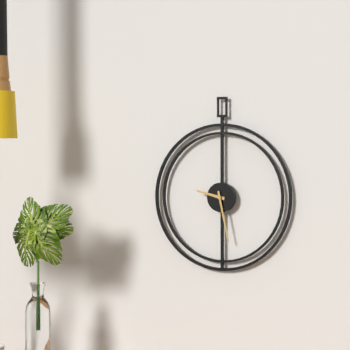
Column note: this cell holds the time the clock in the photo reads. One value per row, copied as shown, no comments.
9:28
